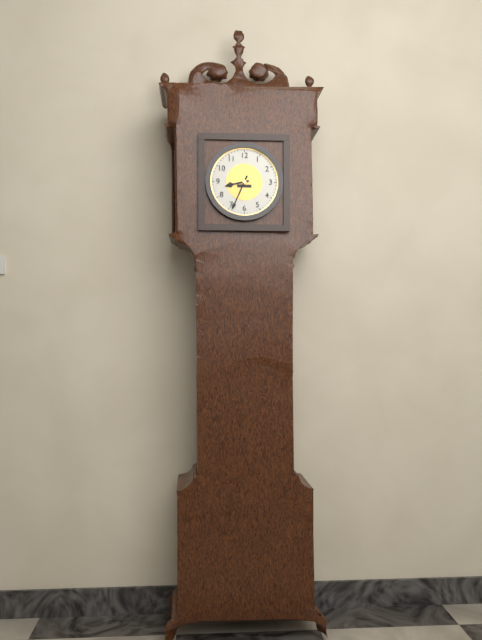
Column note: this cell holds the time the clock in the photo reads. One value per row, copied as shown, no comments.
8:34
